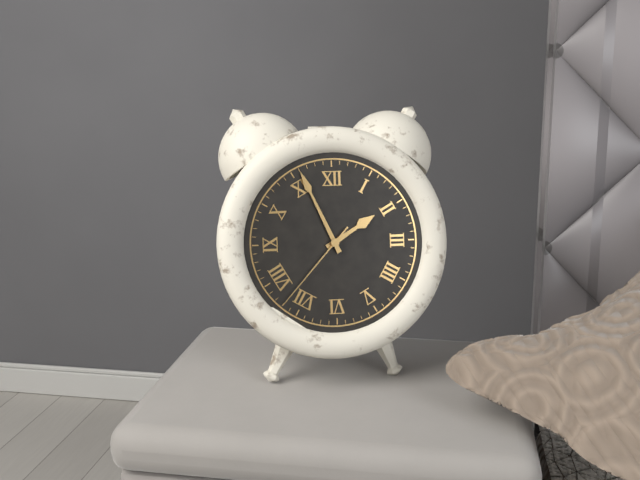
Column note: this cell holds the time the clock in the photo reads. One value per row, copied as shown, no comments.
1:56:37
